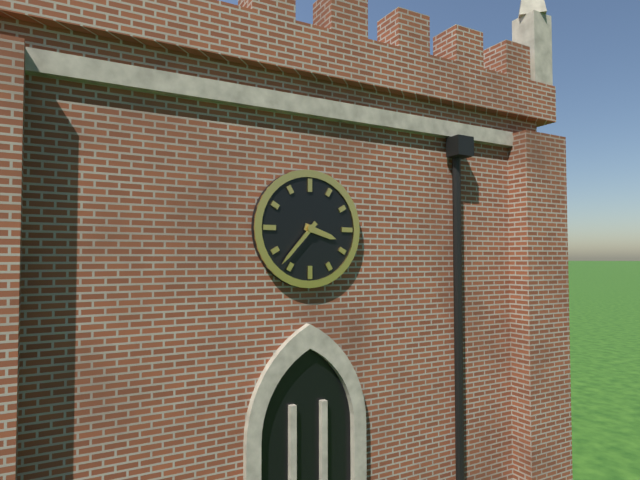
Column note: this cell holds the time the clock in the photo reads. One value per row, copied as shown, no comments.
3:37
